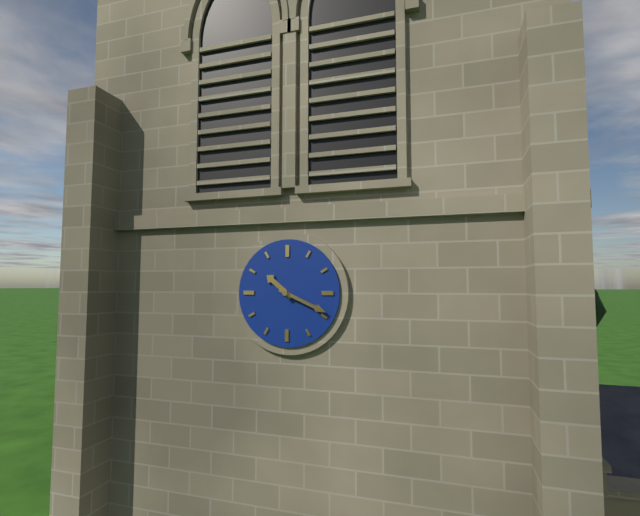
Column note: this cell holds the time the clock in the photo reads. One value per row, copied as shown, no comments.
10:19
